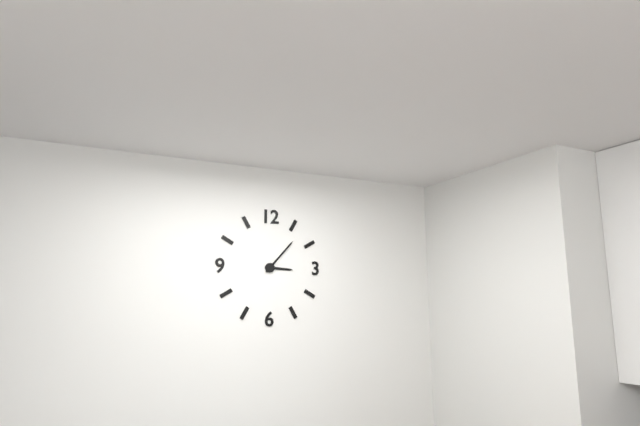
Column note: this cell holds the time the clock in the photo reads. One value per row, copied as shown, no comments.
3:07
